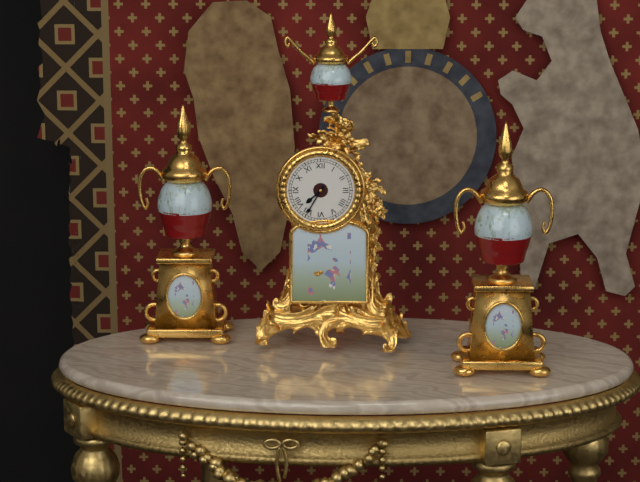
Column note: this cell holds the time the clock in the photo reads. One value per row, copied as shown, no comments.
7:35
